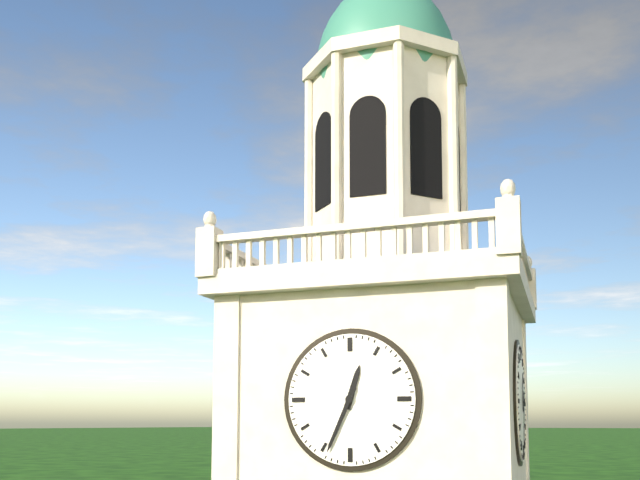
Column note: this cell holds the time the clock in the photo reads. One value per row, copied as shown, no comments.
12:34
